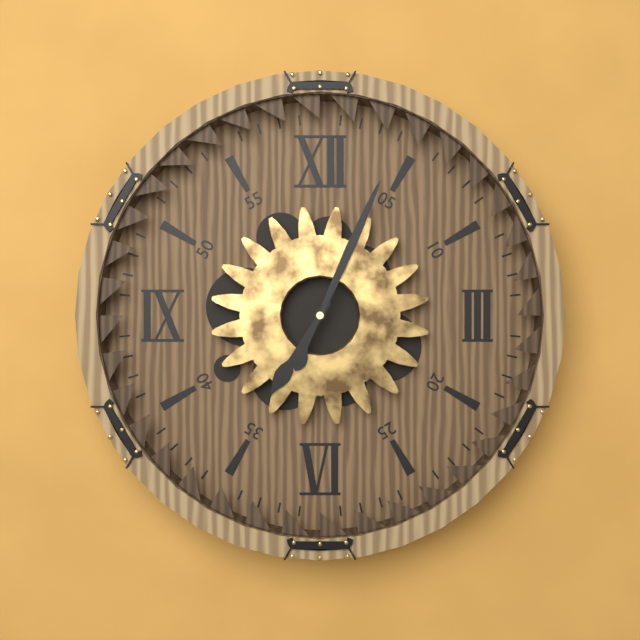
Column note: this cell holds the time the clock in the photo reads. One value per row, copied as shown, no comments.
7:04
